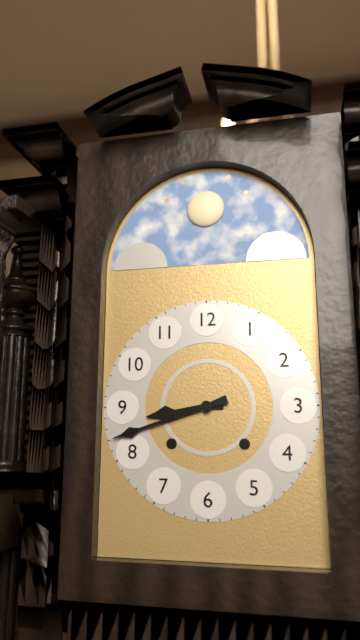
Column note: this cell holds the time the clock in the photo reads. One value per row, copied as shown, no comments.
8:42
